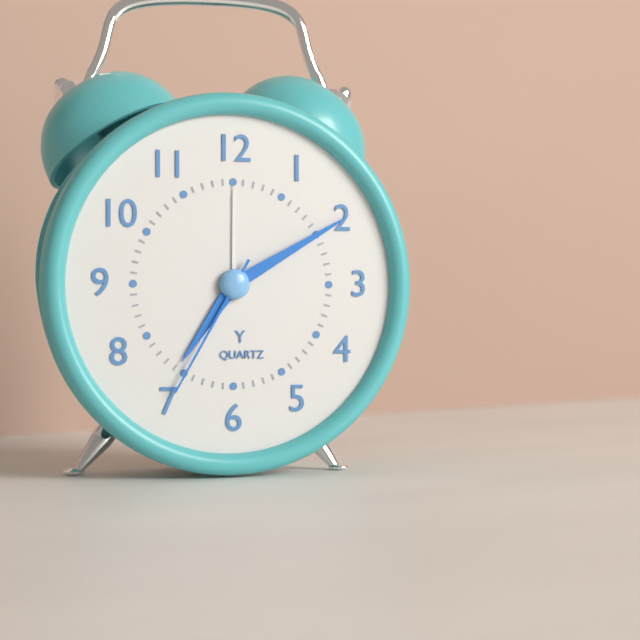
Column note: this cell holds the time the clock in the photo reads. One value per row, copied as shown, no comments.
7:10:35
